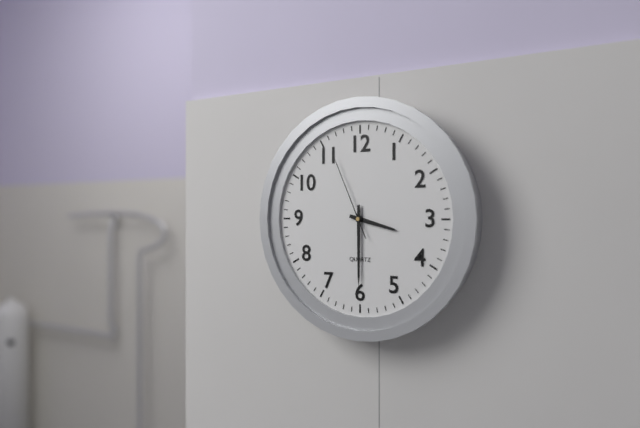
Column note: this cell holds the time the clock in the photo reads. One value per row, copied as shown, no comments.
3:30:56
